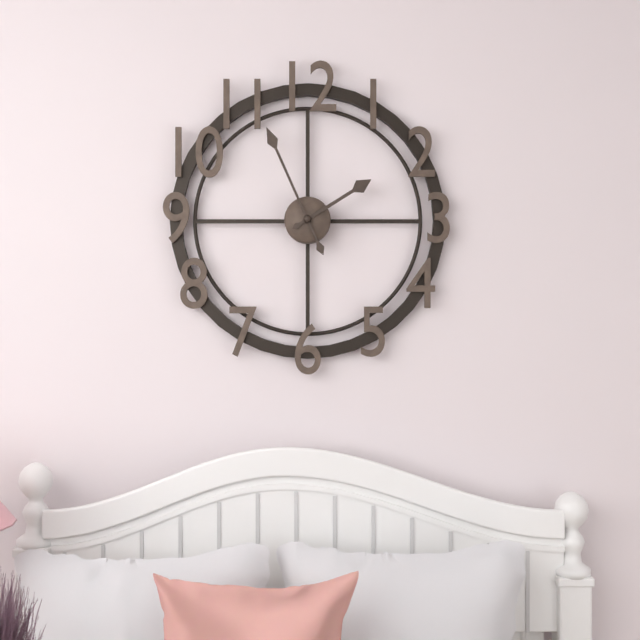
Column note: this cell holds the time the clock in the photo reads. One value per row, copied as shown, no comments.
1:56
